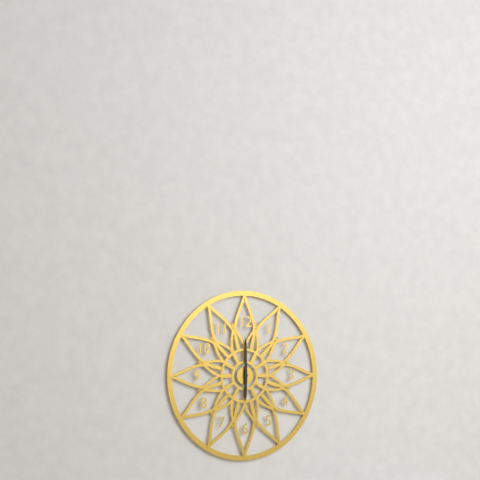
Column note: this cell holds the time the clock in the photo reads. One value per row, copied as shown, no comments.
6:00
